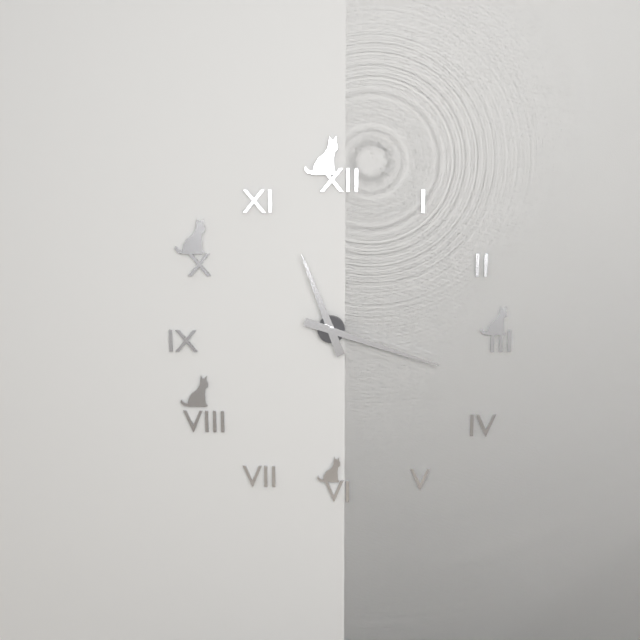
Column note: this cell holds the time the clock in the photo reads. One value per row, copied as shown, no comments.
11:18
